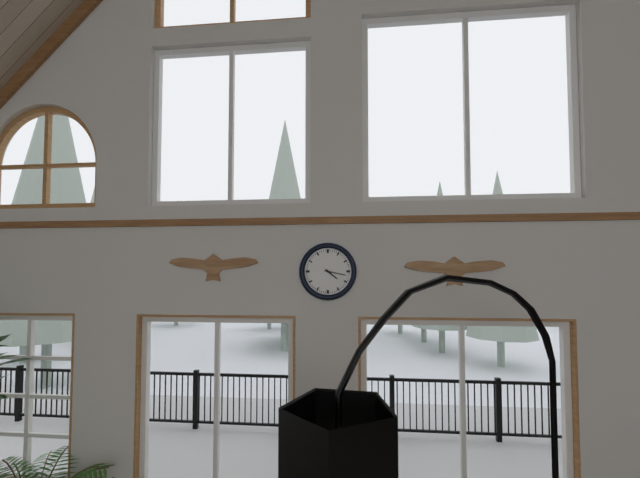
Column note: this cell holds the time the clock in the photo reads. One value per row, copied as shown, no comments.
4:17
